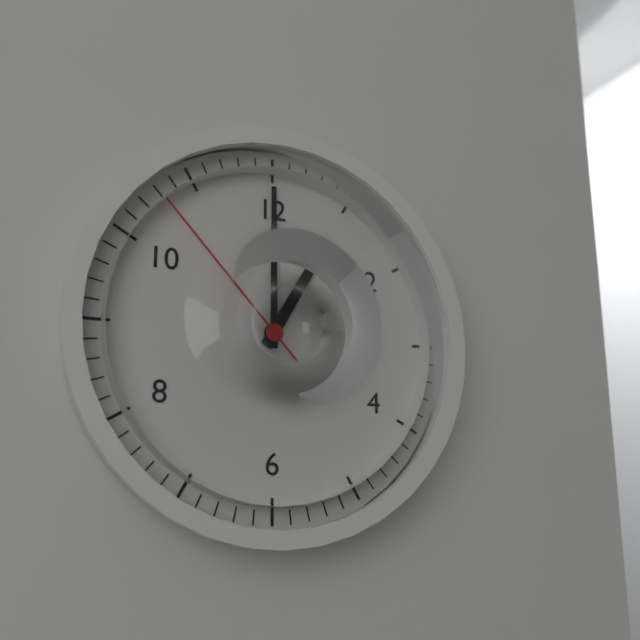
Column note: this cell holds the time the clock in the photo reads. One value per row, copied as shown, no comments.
1:00:53
